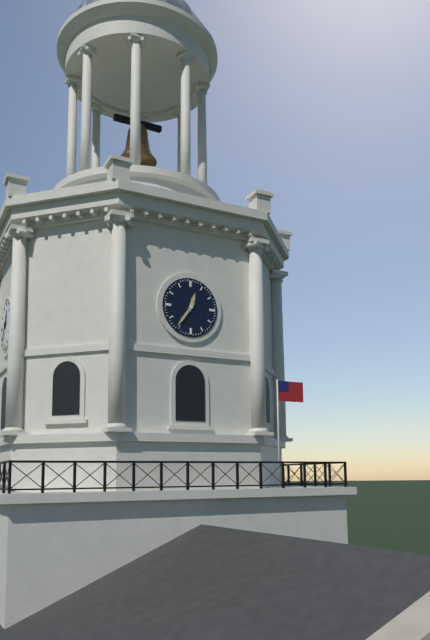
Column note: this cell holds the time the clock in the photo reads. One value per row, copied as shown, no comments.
12:36
